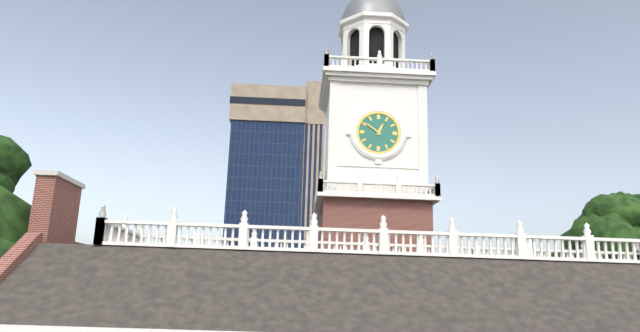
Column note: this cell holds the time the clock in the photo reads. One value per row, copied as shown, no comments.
12:51
